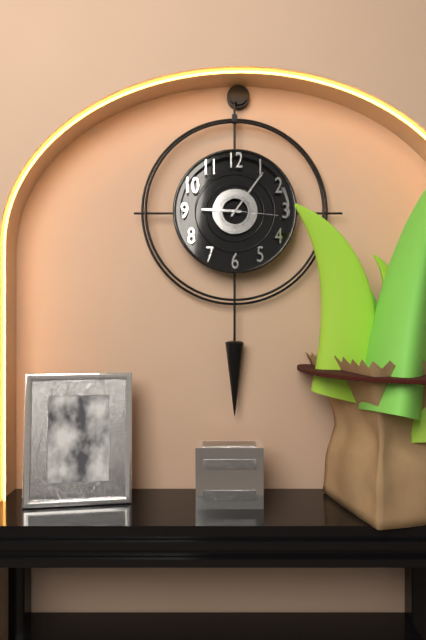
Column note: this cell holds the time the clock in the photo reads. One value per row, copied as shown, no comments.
9:06:16
